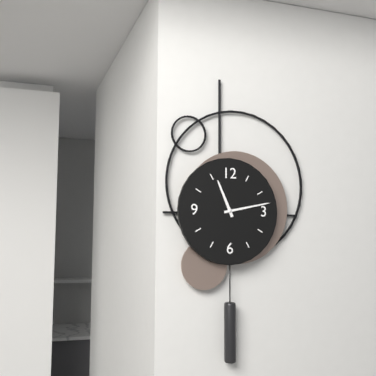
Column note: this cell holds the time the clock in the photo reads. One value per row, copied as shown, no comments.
11:13
